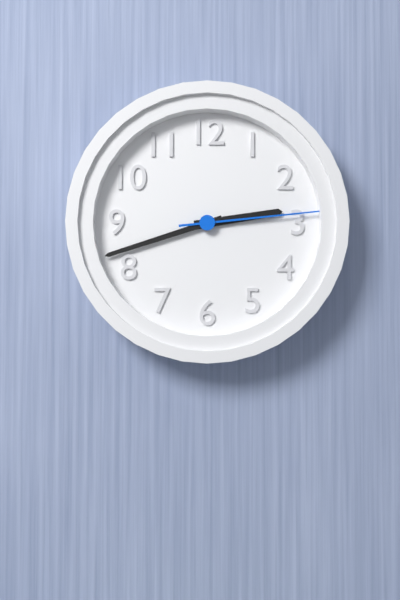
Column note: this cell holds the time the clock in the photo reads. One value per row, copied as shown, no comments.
2:42:14
